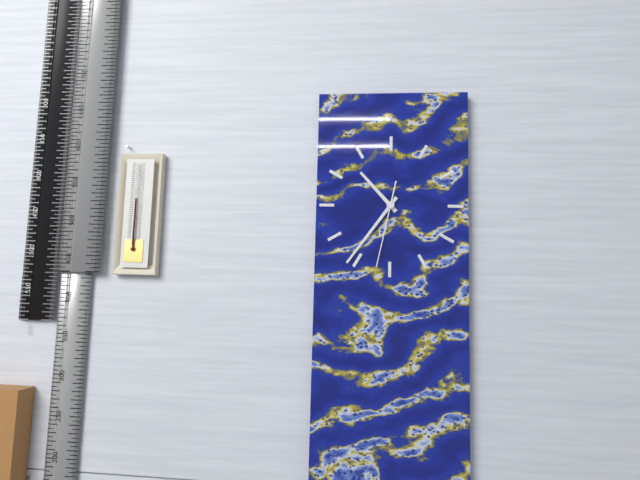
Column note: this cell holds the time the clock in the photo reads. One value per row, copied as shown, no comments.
10:36:32
